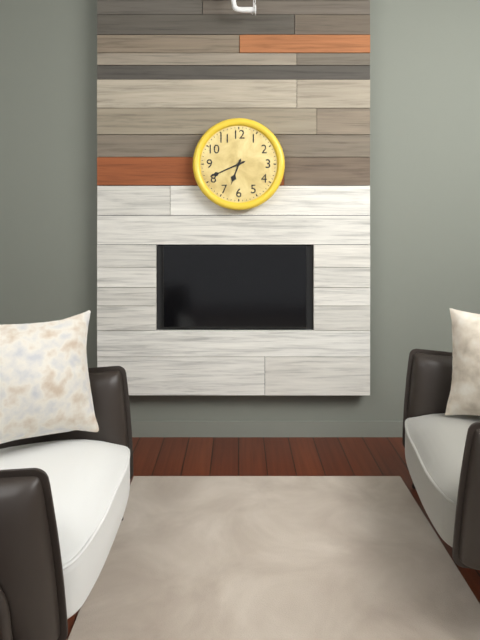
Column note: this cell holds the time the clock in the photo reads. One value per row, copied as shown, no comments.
6:41
